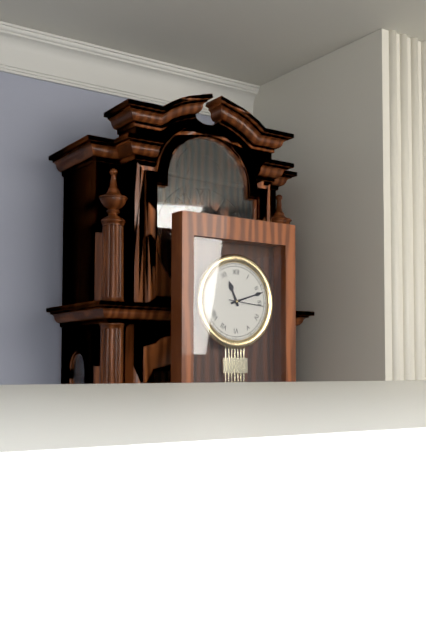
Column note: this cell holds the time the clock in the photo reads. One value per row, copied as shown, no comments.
11:12
